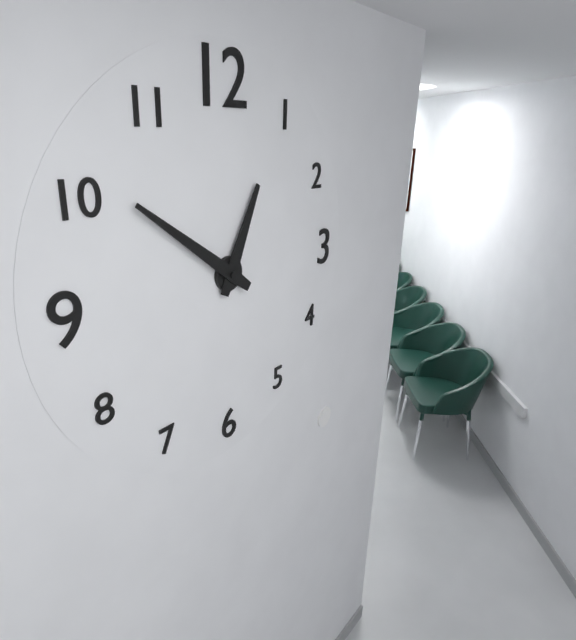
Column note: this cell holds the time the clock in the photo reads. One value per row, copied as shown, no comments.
12:51
